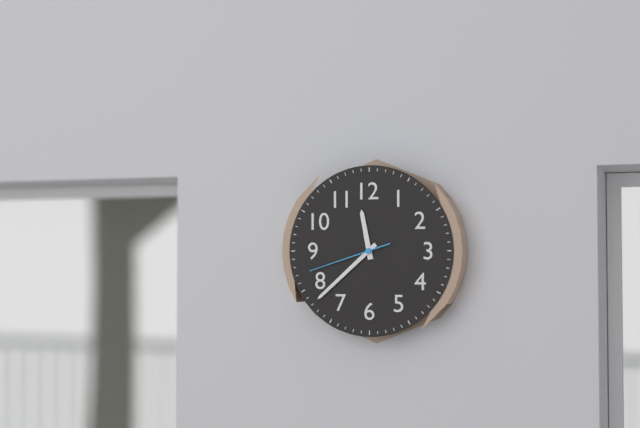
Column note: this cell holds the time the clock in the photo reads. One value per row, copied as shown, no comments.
11:38:42
